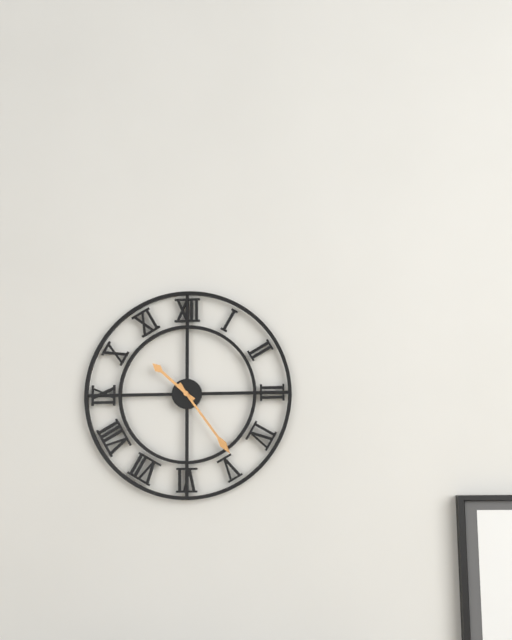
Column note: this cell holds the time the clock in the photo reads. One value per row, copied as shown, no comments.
10:24
